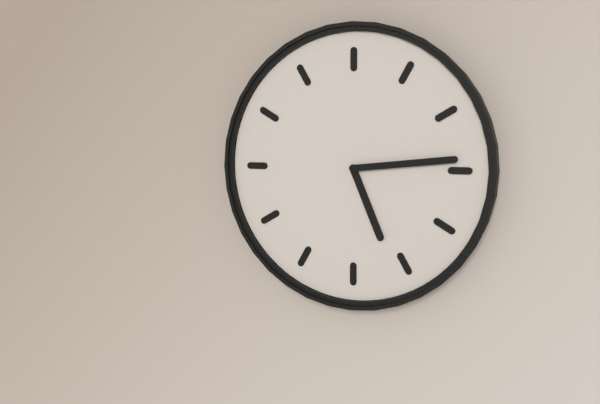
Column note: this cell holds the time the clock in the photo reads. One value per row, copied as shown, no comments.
5:14
